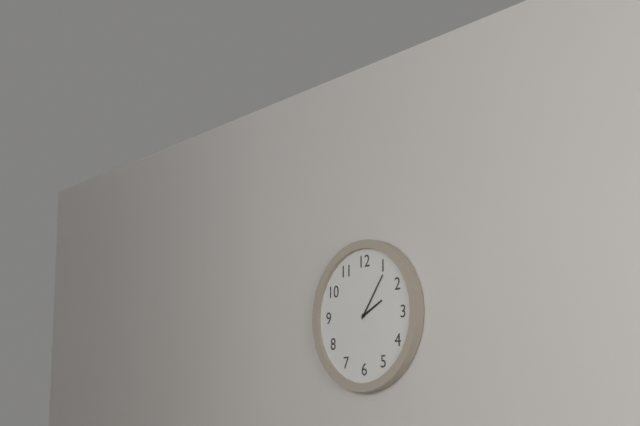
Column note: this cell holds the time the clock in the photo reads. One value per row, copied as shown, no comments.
2:06
